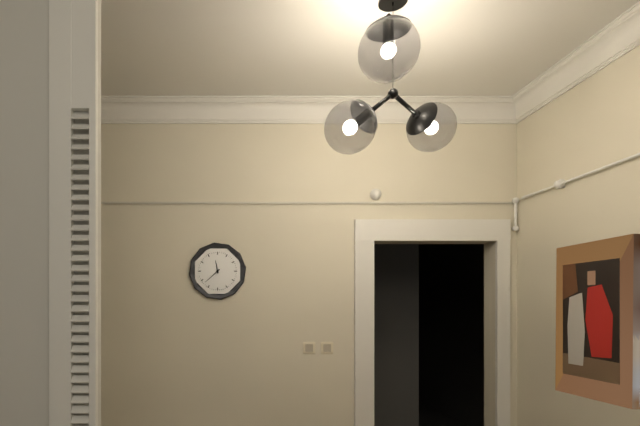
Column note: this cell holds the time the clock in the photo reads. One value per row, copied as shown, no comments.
11:38
